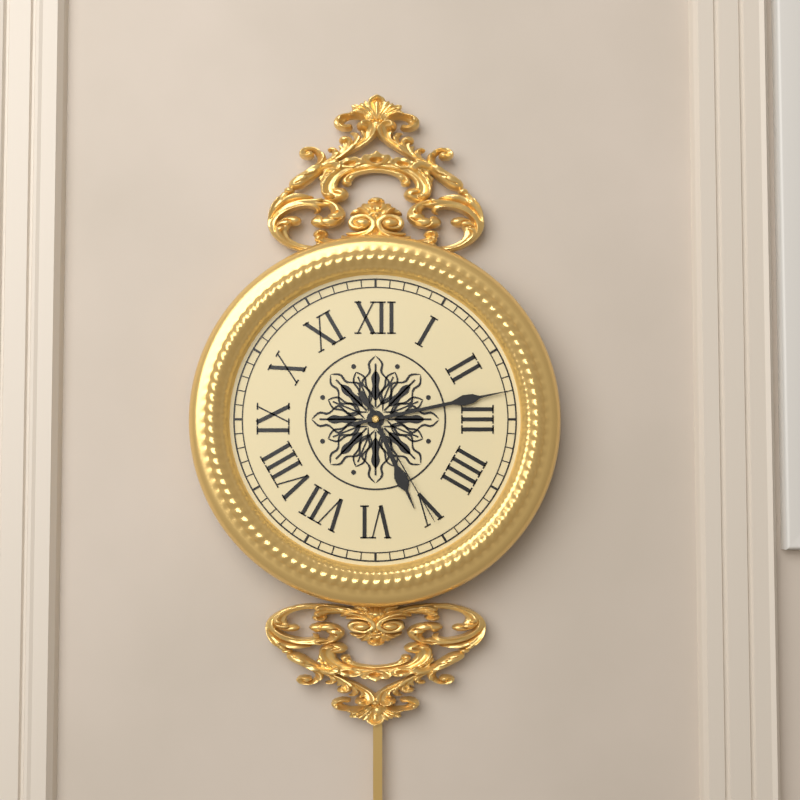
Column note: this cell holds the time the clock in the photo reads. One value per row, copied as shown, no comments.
5:13:25
